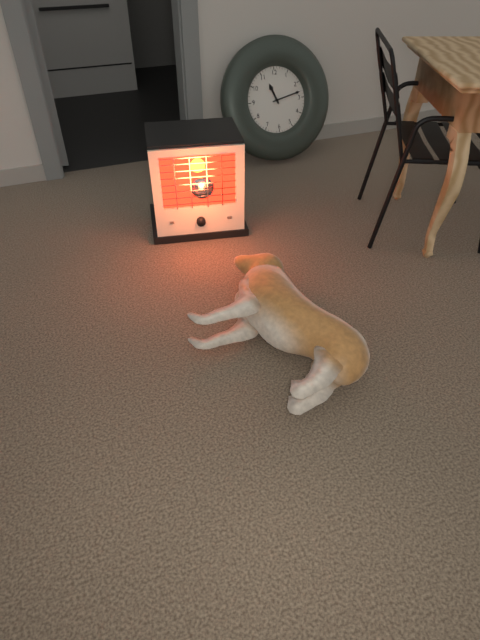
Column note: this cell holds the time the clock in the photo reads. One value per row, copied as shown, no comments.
11:13
